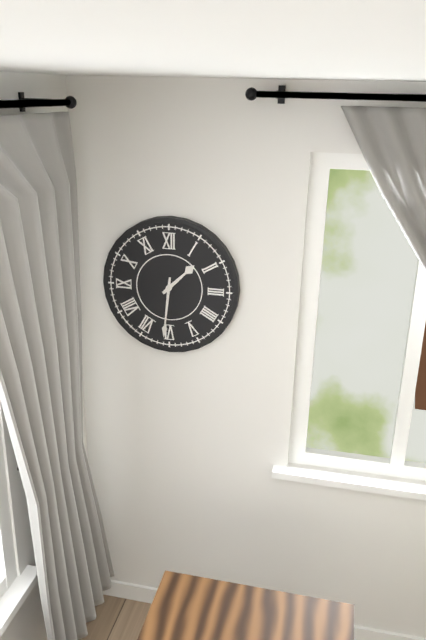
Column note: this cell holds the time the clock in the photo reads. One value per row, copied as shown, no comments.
1:31
